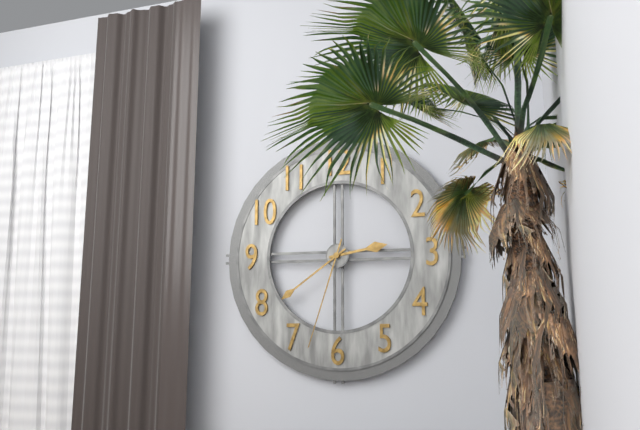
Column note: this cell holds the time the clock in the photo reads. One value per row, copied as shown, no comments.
2:39:33
